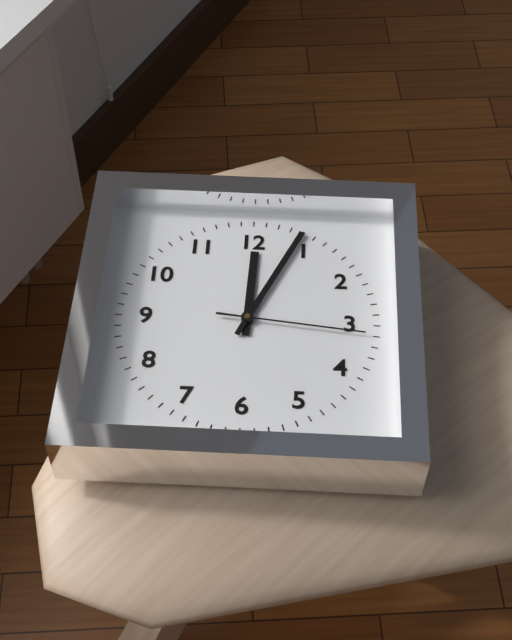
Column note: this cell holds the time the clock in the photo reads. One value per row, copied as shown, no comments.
12:04:16
